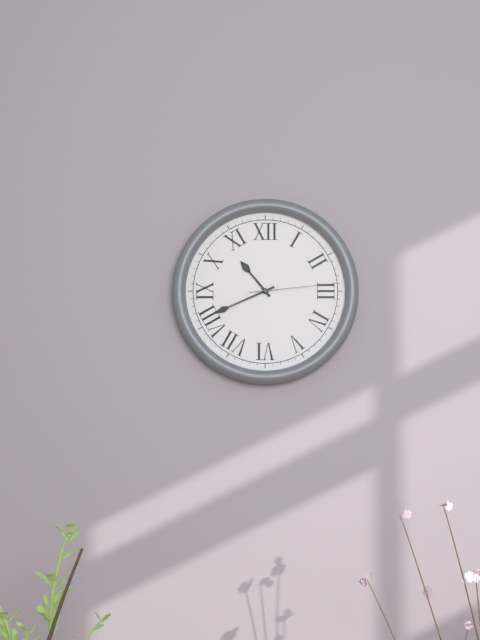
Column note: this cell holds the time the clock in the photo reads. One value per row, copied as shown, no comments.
10:41:14
